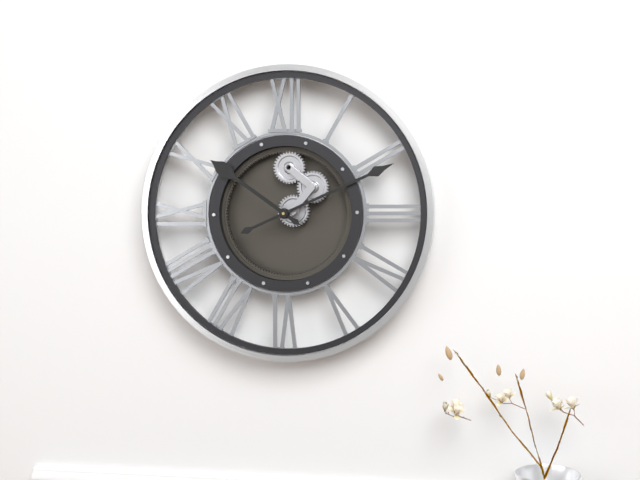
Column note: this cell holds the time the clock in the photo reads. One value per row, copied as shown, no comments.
10:11
